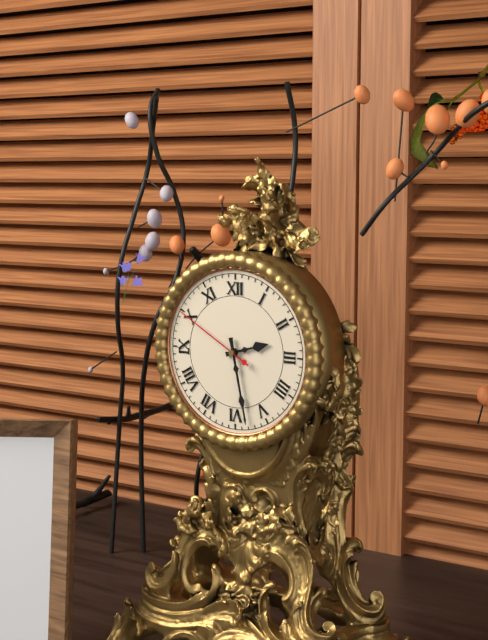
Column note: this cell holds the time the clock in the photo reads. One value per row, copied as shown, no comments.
2:28:50
